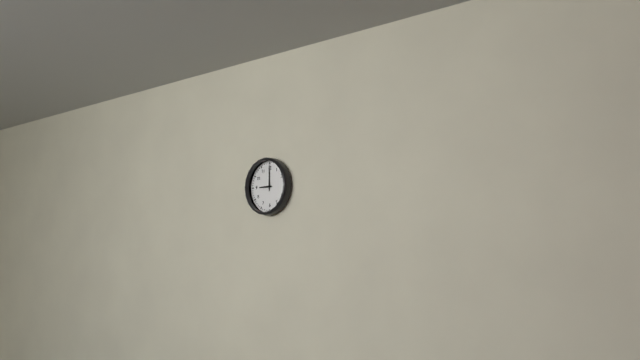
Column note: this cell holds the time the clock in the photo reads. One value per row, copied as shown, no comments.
9:00
